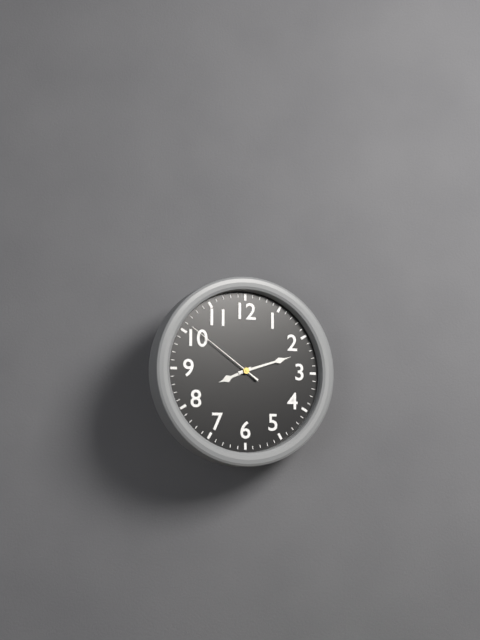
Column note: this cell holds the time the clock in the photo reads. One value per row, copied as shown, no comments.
8:12:51
